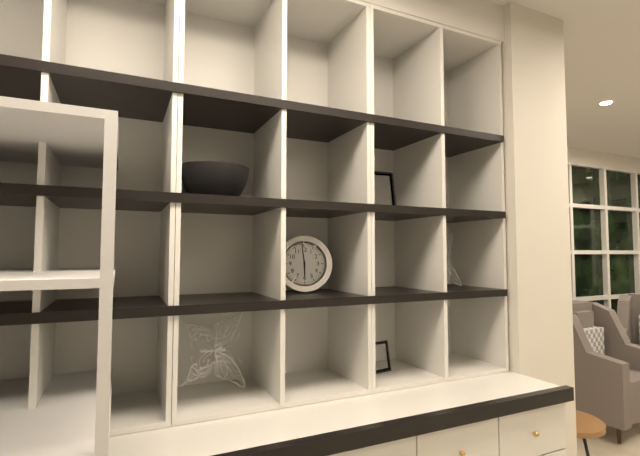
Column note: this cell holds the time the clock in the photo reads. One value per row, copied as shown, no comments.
5:59
